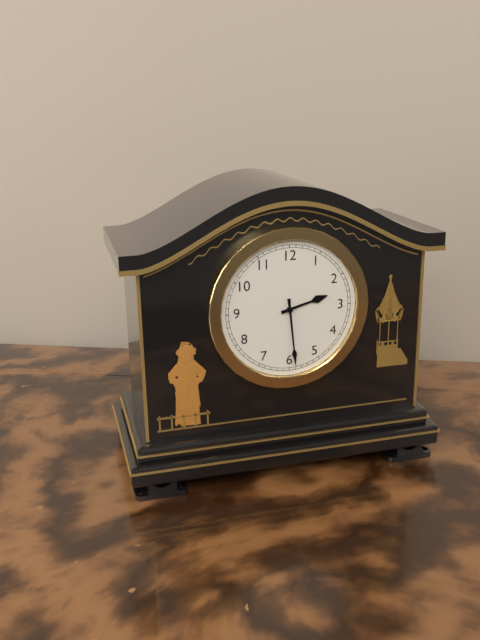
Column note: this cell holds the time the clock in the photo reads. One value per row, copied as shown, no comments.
2:29
